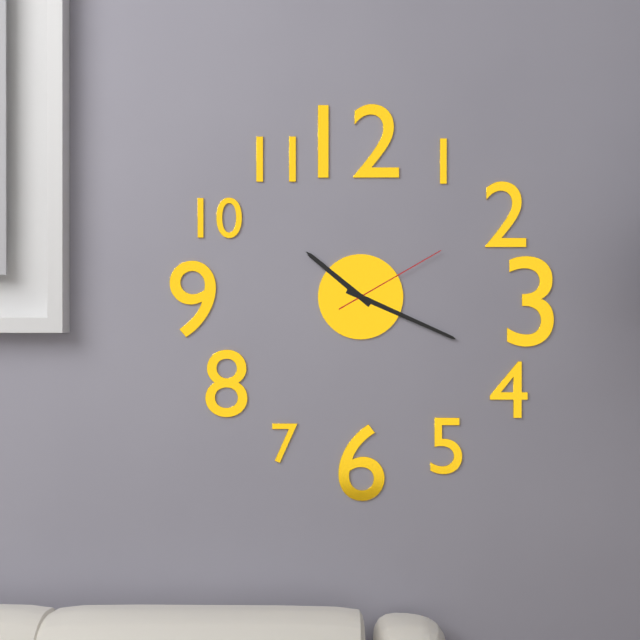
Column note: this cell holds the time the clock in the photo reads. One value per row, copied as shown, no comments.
10:19:10
